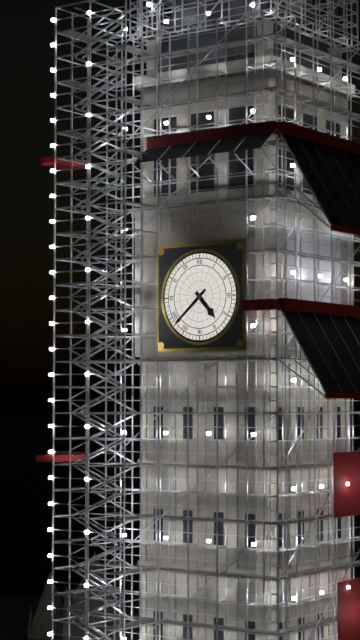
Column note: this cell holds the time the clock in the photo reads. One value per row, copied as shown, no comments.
4:38
